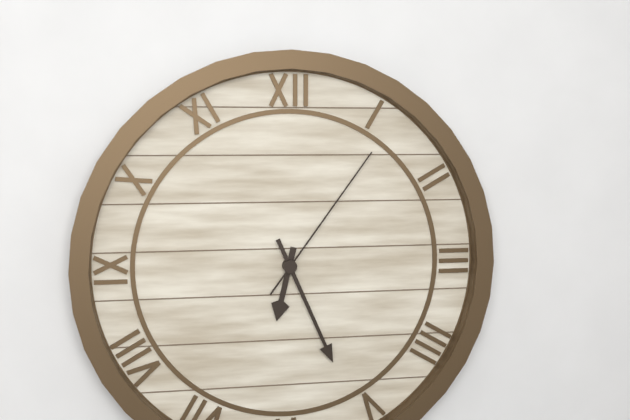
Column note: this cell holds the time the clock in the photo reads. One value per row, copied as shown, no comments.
6:26:06
